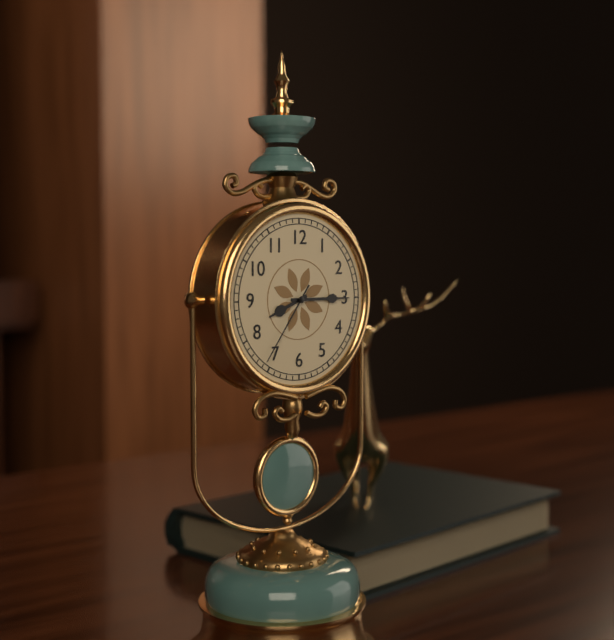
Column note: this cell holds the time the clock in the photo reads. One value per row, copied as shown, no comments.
8:15:36
